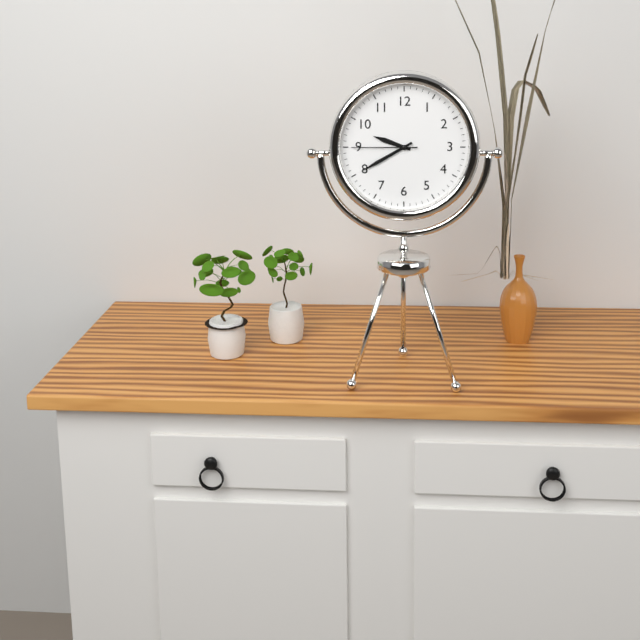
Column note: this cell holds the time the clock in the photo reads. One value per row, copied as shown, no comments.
9:40:45
